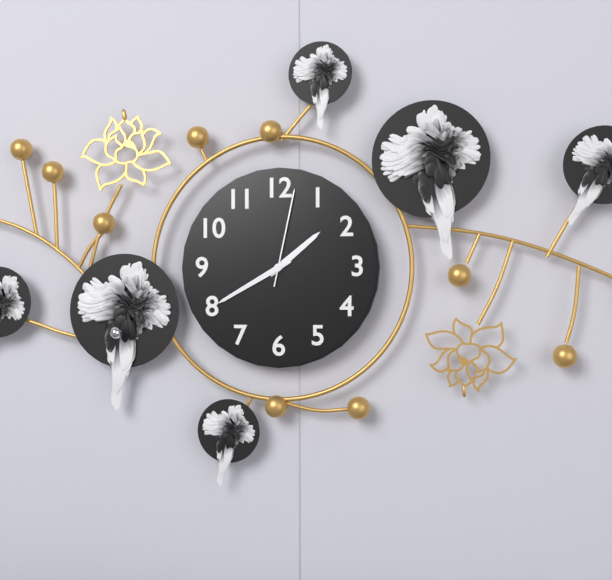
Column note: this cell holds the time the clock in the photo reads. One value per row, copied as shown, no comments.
1:40:02
